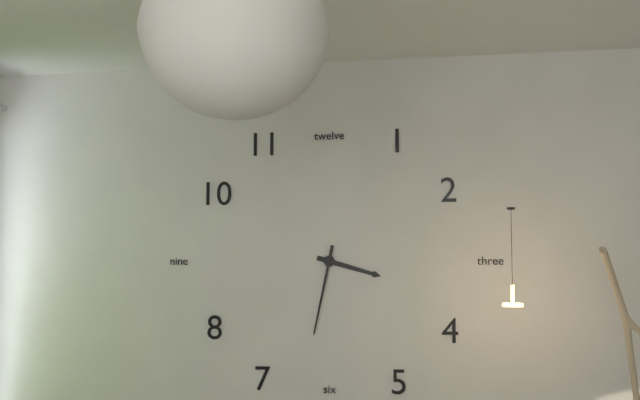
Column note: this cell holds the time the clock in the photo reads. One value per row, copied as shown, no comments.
3:32
